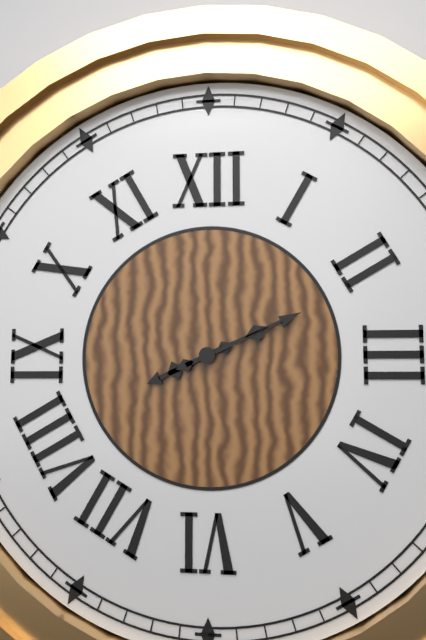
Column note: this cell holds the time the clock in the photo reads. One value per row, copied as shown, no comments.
8:11
